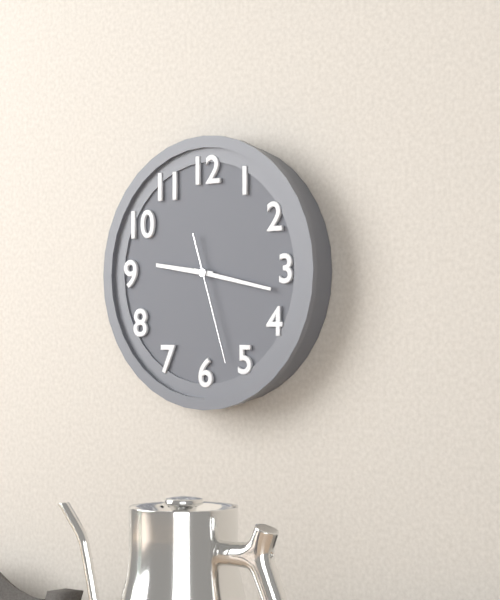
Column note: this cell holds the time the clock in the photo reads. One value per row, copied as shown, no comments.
9:17:27
